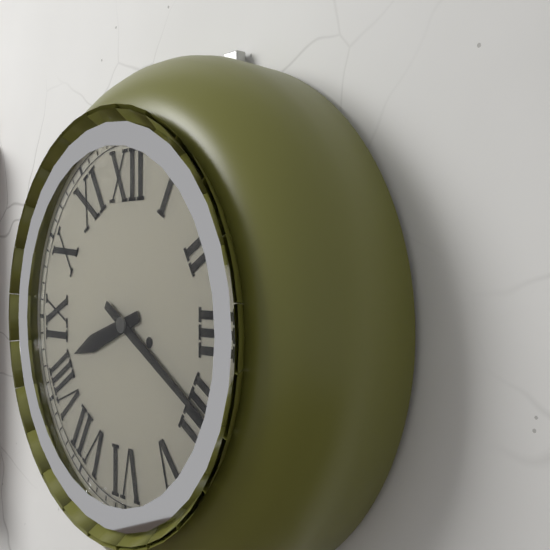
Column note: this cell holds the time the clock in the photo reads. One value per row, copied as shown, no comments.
8:20
